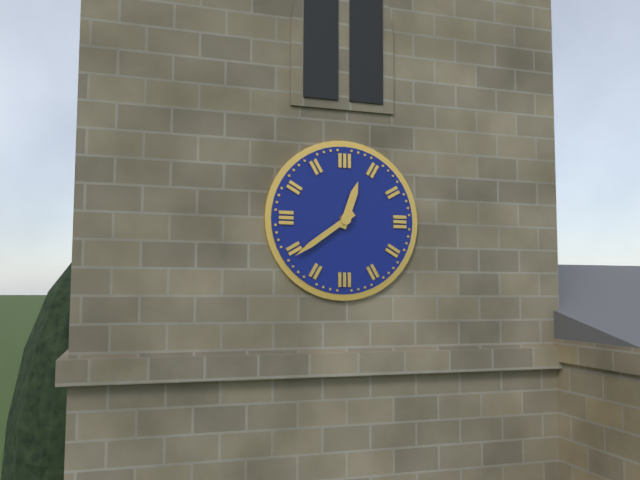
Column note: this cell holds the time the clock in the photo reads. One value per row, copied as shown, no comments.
12:39
